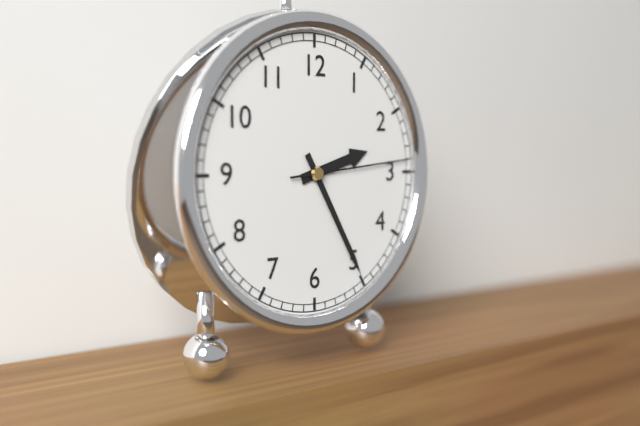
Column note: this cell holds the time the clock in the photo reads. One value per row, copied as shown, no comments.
2:25:14
